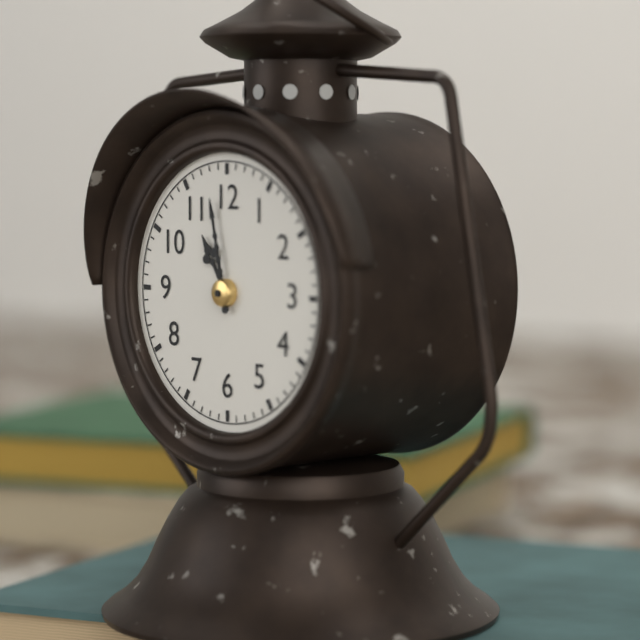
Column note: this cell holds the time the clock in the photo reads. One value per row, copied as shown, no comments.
10:58
